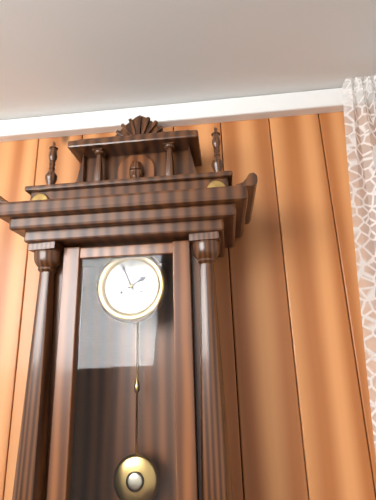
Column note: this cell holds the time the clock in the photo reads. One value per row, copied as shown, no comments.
1:56
